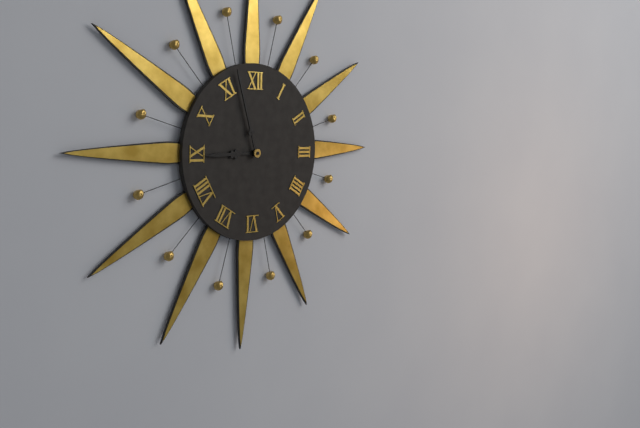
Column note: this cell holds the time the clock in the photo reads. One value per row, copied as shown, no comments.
8:57
